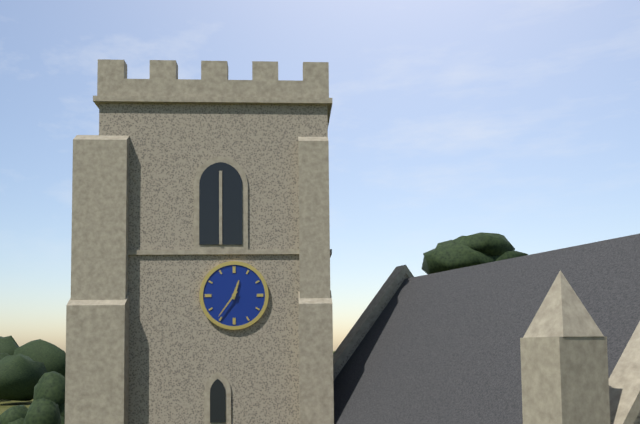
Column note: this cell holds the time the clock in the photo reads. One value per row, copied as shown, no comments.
12:36
